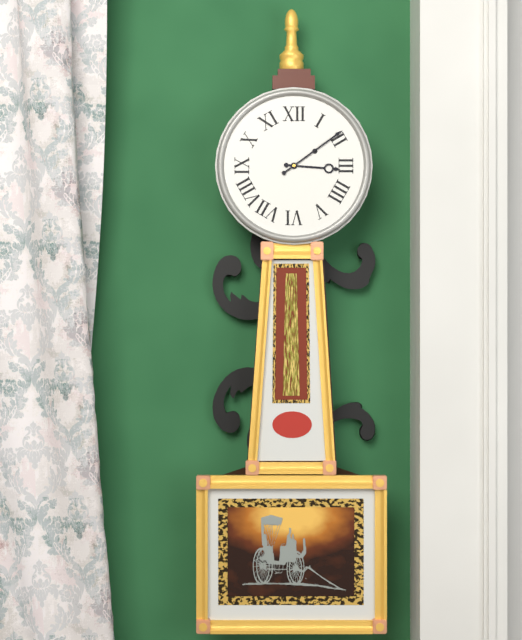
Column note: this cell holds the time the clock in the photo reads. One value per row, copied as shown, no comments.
3:09
